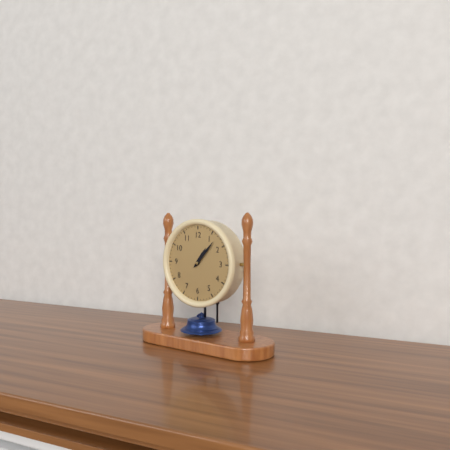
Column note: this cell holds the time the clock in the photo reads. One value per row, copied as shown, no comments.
1:07
